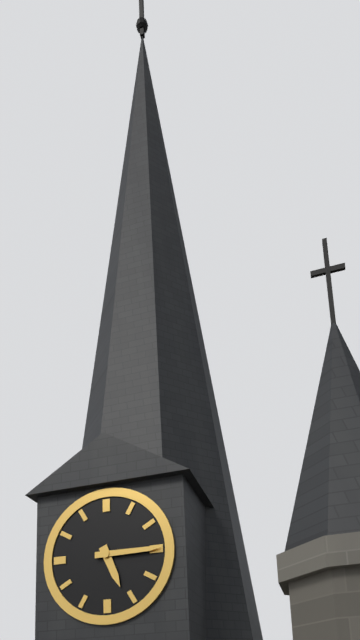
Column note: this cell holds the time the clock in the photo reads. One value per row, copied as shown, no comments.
5:15
